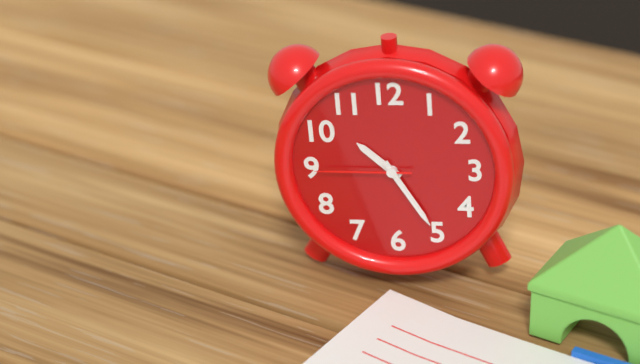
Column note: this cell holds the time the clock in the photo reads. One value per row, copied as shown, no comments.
10:25:45
